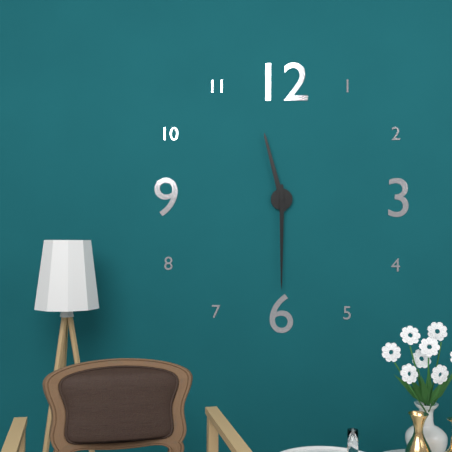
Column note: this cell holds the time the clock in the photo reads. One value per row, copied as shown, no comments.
11:30
